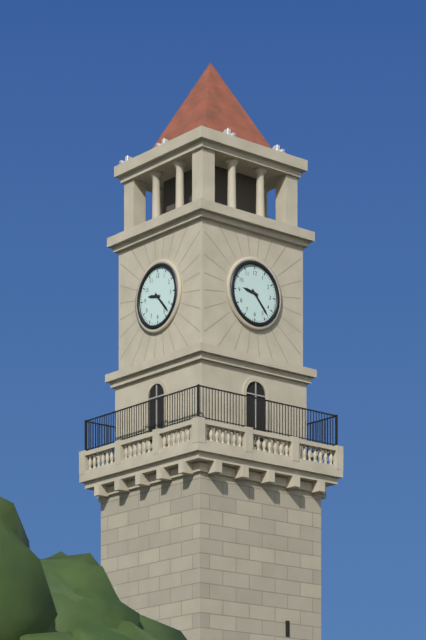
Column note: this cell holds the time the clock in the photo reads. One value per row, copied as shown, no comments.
9:23
